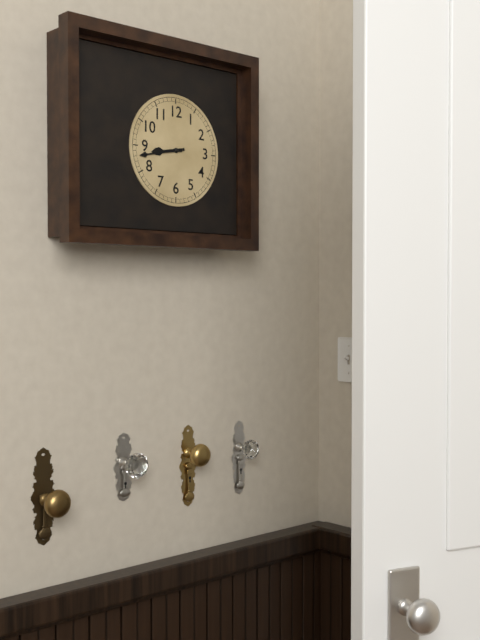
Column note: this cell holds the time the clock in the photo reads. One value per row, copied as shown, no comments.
8:43
